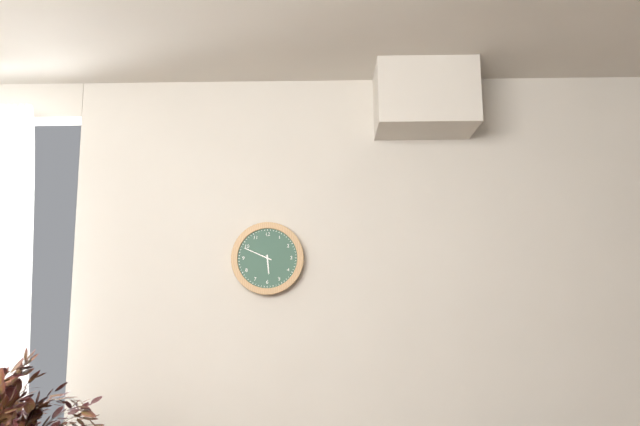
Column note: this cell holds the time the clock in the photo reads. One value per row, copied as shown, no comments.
5:49
